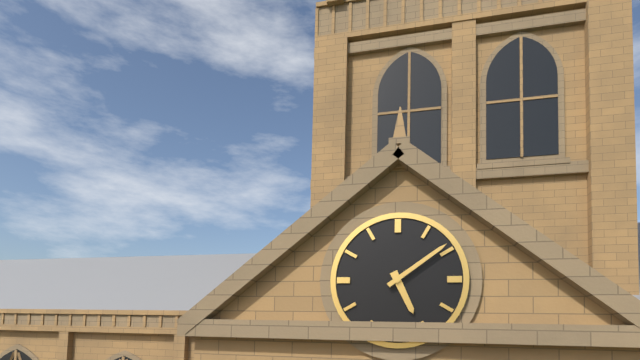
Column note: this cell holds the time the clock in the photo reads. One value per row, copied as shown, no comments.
5:09
